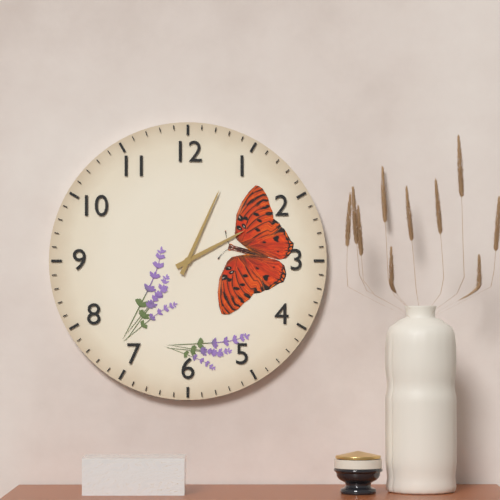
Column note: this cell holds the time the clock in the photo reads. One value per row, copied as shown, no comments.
2:04
